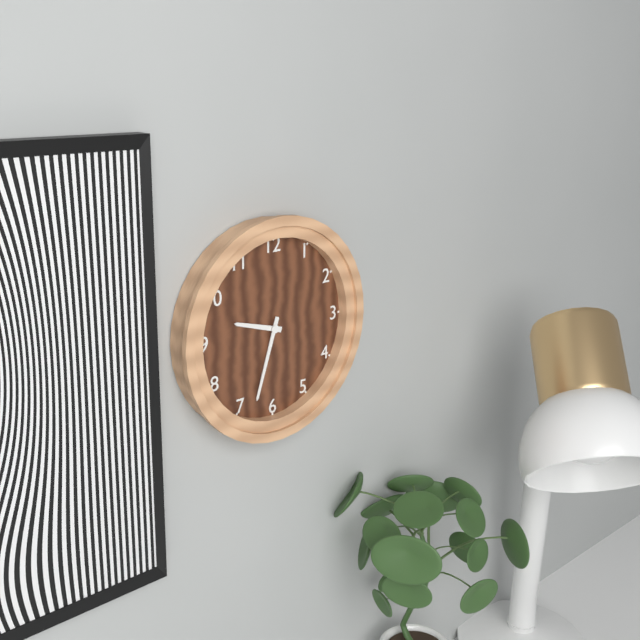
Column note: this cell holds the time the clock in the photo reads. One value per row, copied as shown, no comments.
9:33
